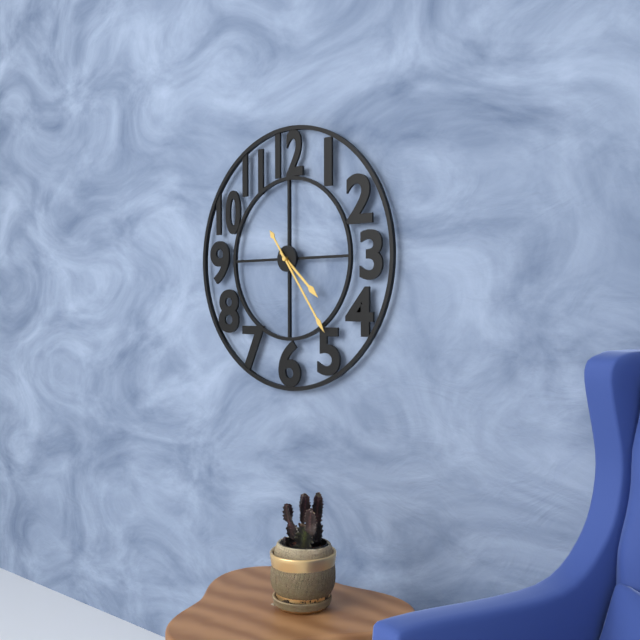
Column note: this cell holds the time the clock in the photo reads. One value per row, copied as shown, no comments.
4:24
